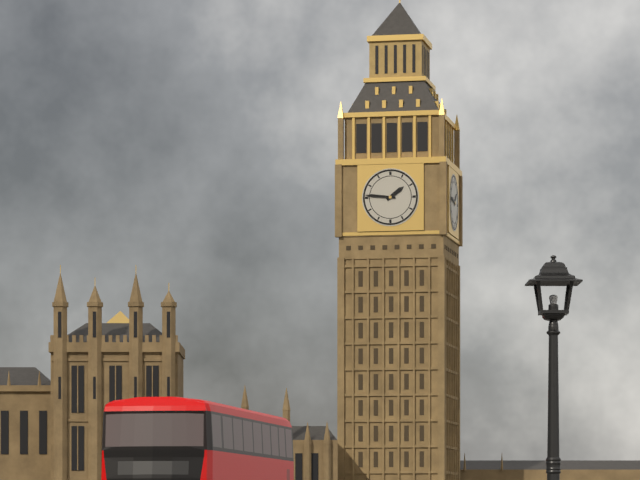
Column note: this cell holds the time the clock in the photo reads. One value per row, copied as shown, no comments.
1:46
